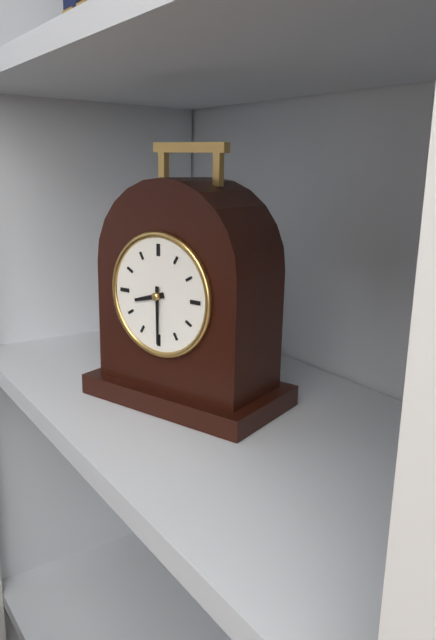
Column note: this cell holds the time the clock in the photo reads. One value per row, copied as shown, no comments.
8:30
